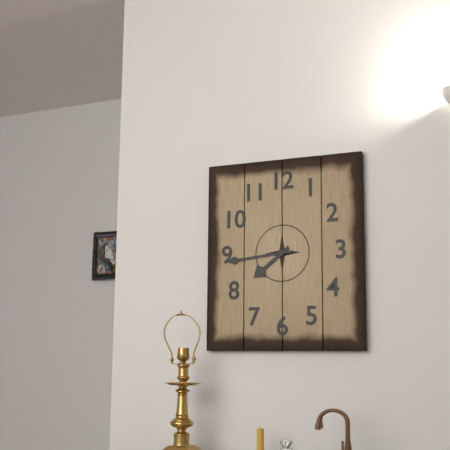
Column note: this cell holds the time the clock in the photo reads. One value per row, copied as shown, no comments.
7:44
